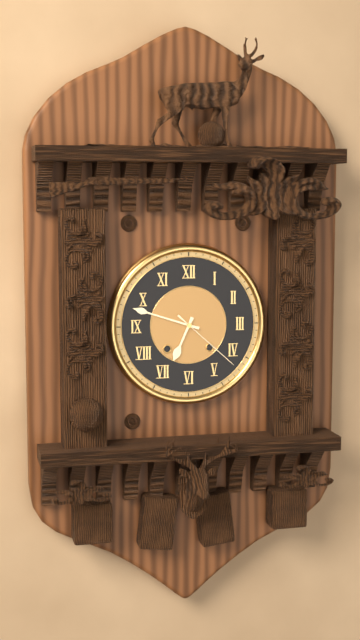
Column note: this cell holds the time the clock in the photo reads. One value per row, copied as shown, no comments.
6:48:22
